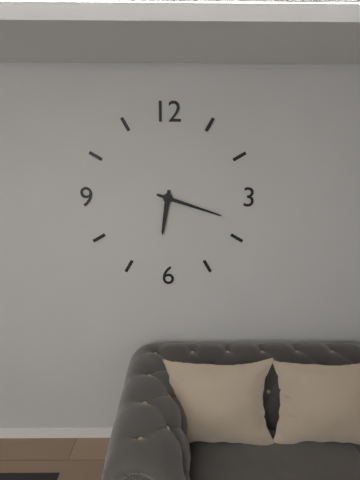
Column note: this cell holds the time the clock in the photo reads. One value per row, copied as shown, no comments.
6:18
